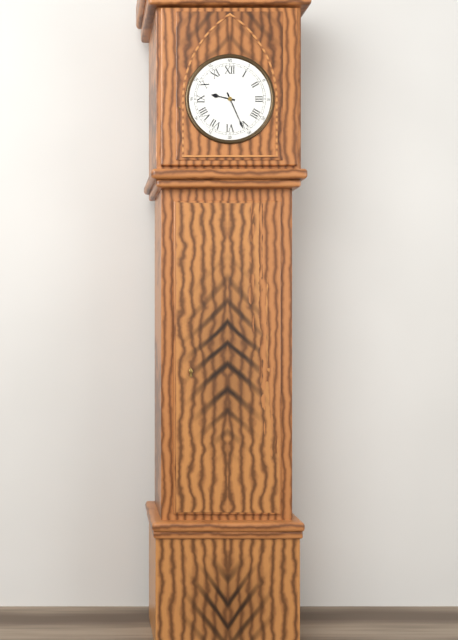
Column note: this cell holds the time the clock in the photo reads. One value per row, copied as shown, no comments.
9:26
